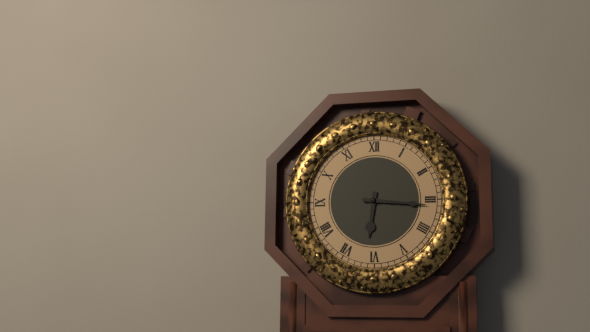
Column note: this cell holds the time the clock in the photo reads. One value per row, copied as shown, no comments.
6:16
